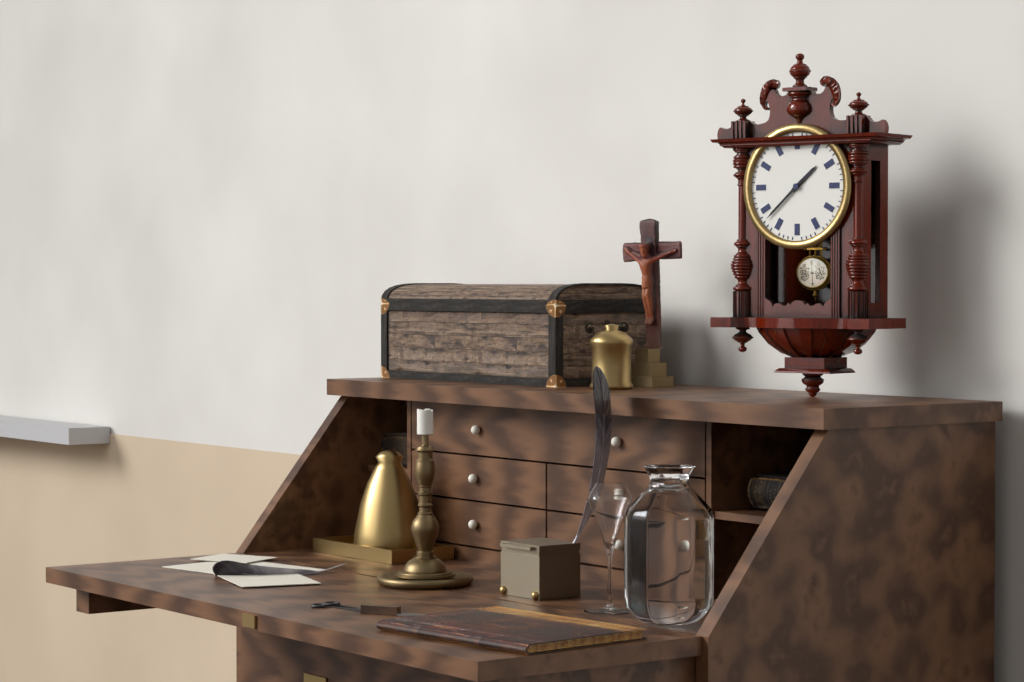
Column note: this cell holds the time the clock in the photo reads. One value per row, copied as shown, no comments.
1:38
